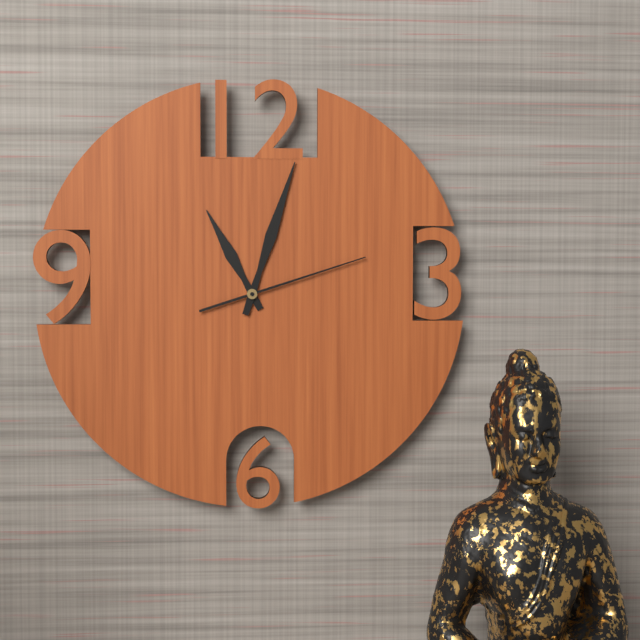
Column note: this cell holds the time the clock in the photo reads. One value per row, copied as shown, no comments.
11:03:12
